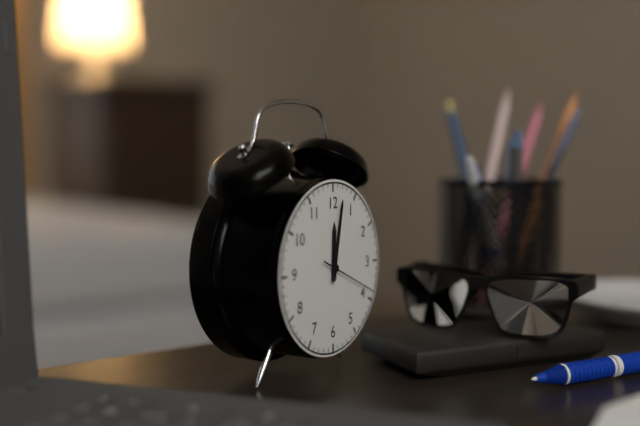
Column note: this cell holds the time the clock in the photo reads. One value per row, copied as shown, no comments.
12:02:19
